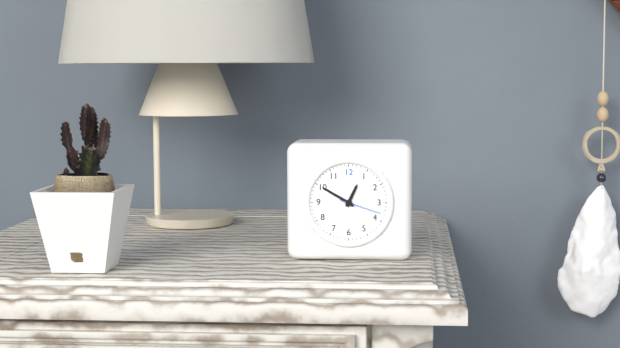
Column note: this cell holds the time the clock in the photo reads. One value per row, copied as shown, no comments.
12:50
